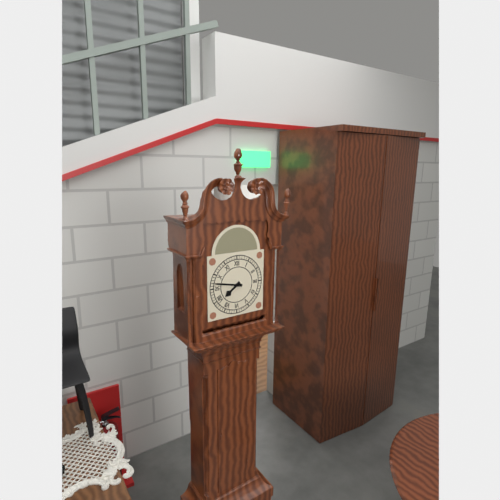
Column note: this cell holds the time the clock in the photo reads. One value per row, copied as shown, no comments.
7:47
